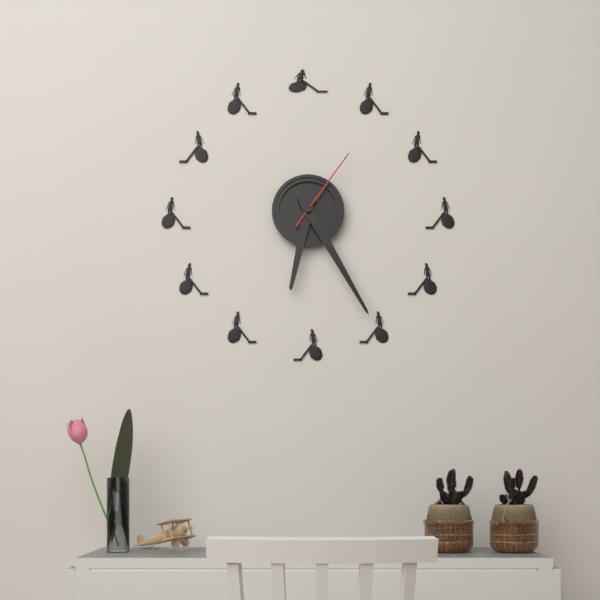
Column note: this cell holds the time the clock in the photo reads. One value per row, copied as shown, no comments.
6:25:06
